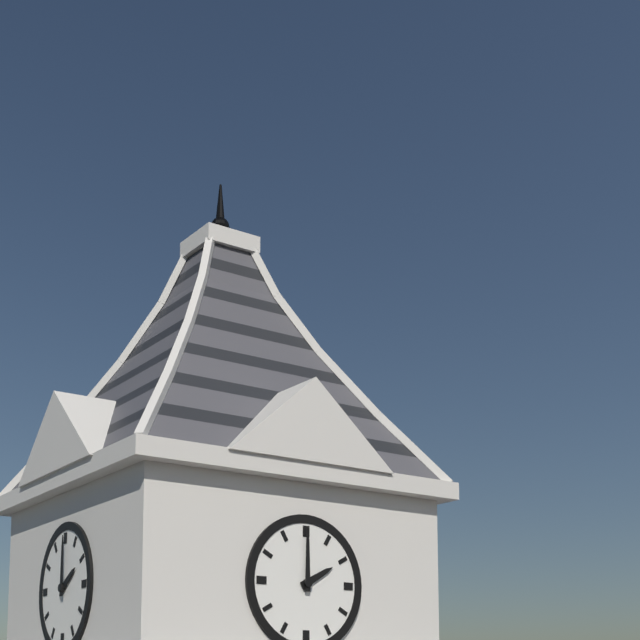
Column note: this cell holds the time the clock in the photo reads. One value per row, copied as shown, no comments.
2:00
